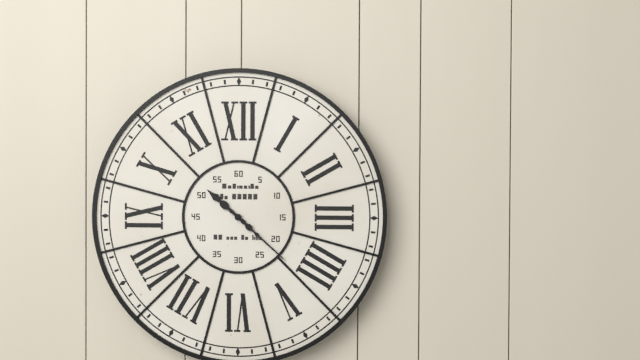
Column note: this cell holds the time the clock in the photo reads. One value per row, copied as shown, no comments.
10:22
